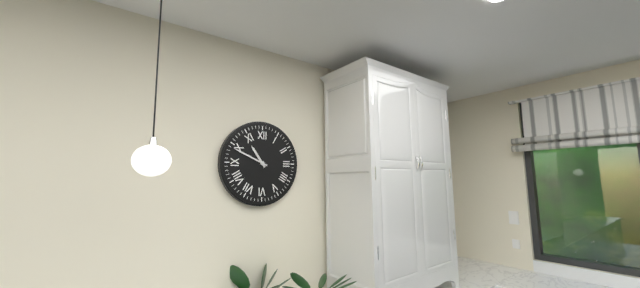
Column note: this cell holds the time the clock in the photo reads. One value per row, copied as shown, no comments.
10:49
